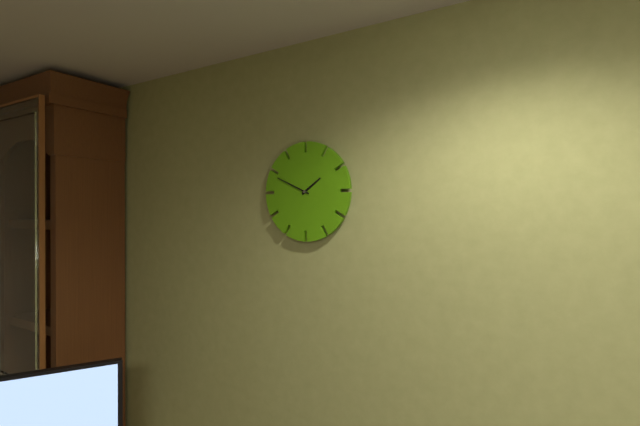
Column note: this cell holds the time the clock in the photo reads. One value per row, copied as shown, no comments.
1:49
